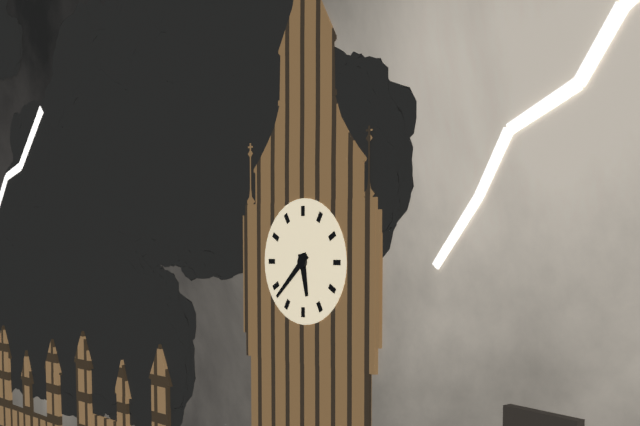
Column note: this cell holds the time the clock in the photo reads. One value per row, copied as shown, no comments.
5:38
